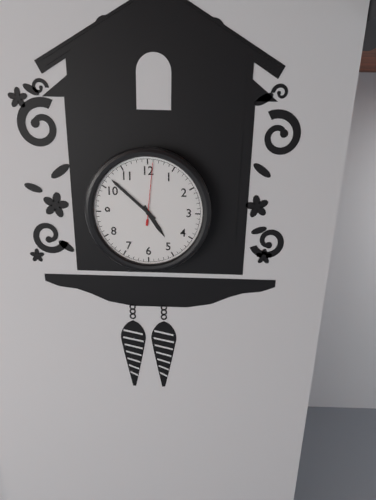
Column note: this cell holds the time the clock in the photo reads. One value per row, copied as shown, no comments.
4:52:01
